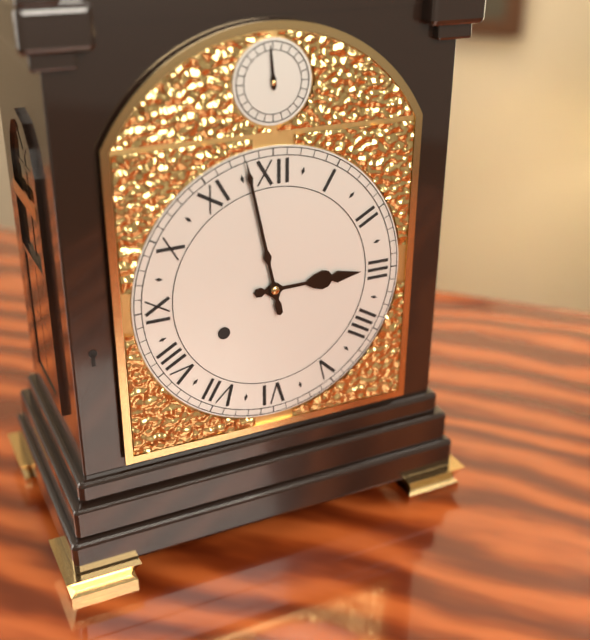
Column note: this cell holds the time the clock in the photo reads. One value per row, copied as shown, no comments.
2:58
